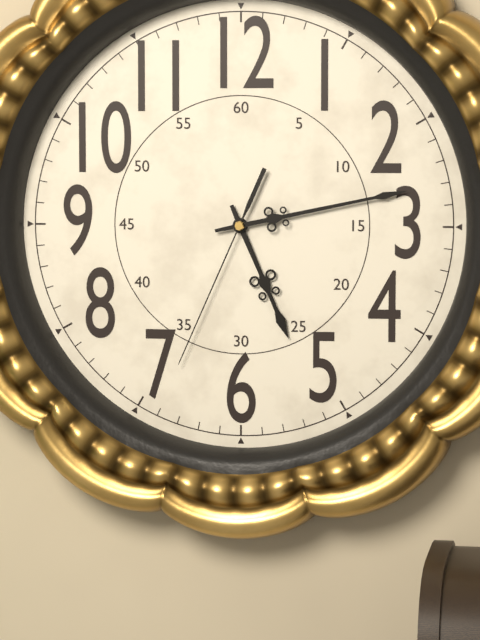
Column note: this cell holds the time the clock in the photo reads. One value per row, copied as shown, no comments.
5:13:34
